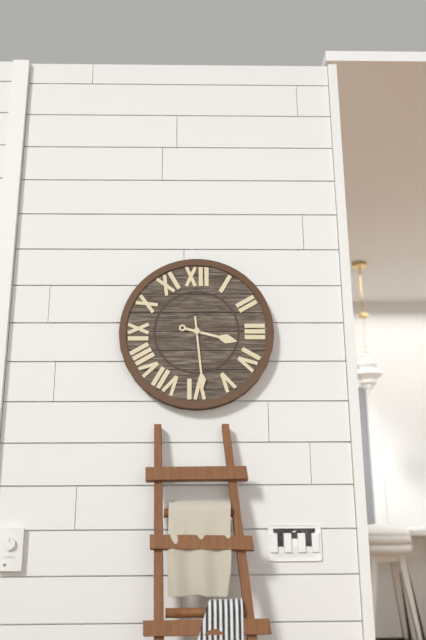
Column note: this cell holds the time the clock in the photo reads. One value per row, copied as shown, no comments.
3:29
